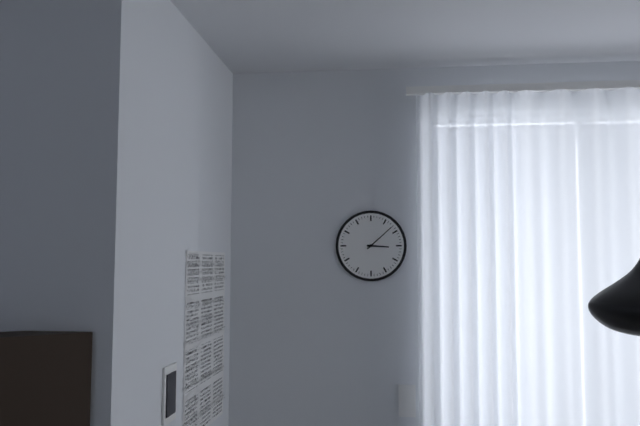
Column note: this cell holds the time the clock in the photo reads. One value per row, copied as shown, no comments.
3:08
